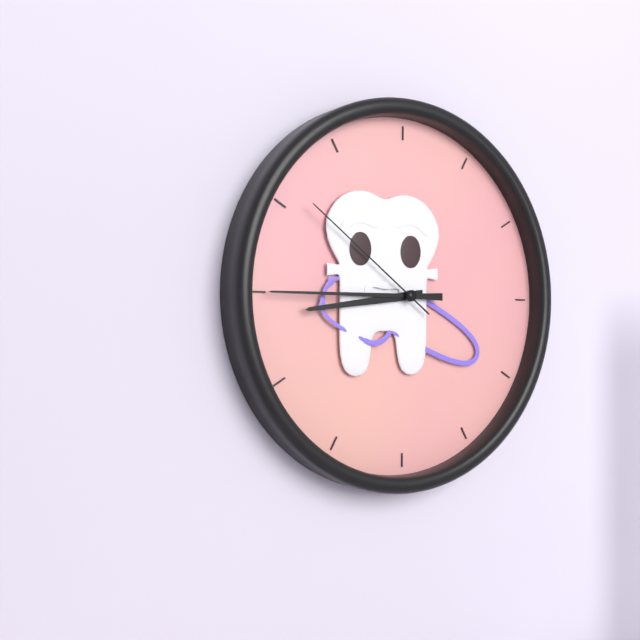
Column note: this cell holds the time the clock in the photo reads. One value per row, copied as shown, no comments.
8:45:51
